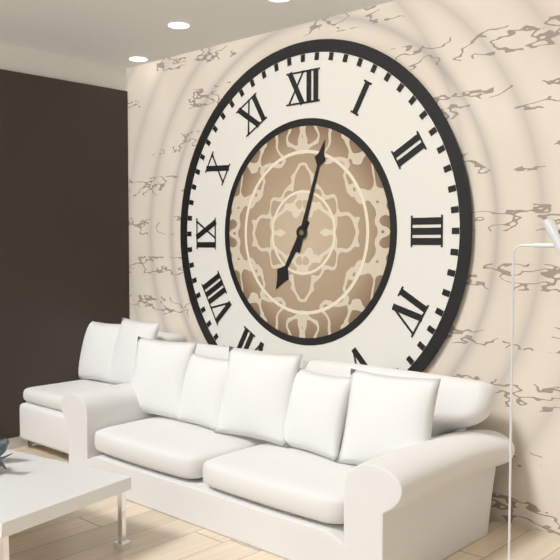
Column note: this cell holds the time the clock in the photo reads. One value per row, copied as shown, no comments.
7:03
